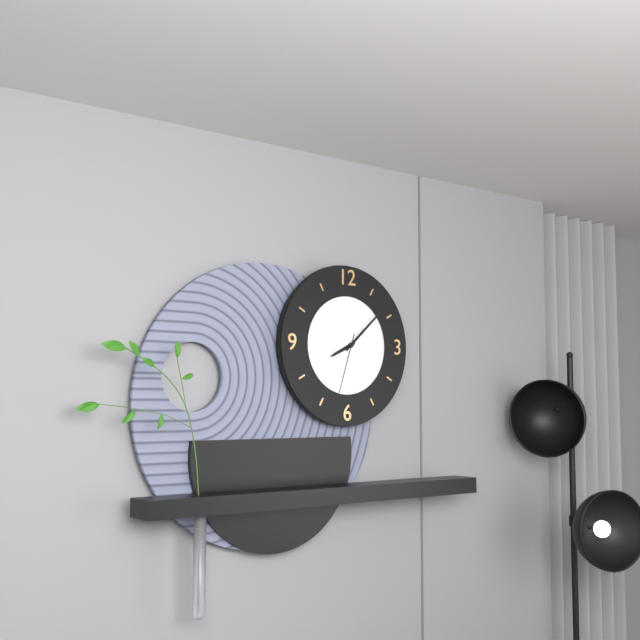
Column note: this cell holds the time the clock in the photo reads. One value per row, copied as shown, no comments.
8:08:33
